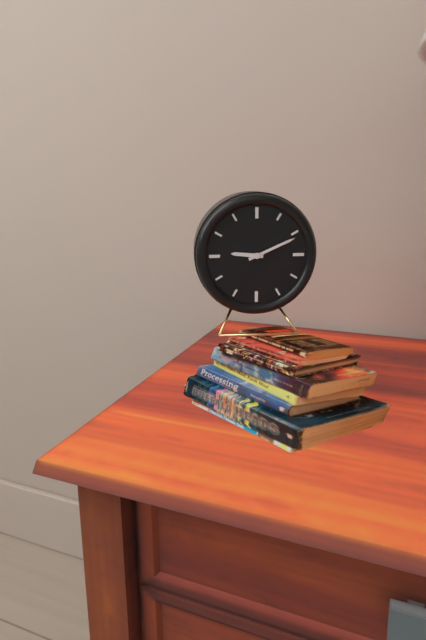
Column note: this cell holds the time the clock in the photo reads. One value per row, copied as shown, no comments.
9:11
